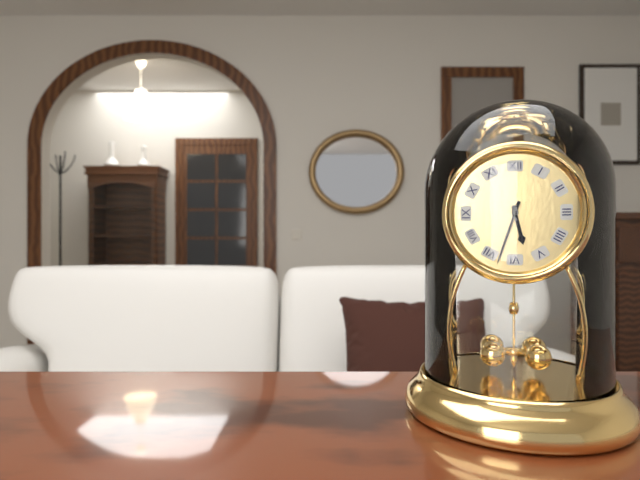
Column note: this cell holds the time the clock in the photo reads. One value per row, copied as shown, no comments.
5:33
